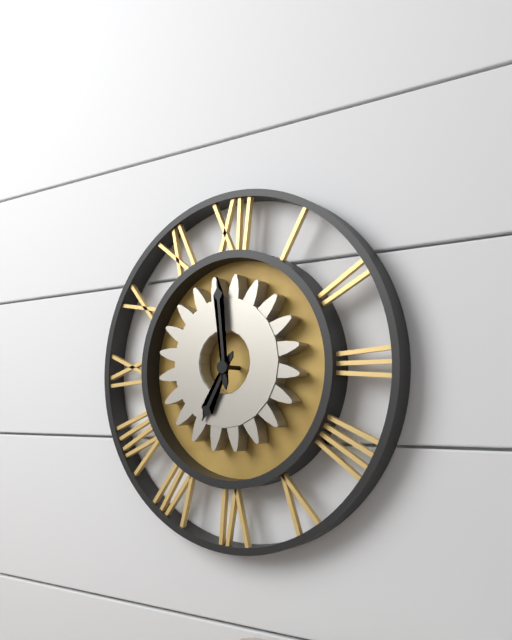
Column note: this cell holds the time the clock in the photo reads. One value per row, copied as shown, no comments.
6:59
